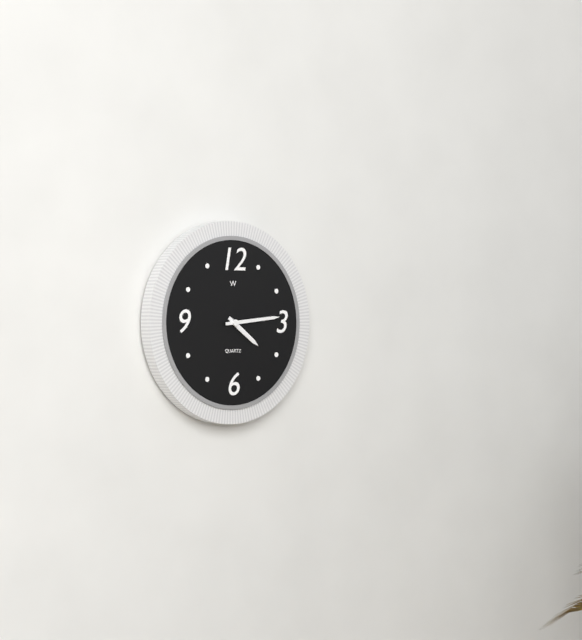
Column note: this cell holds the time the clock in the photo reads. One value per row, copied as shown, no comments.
4:14
